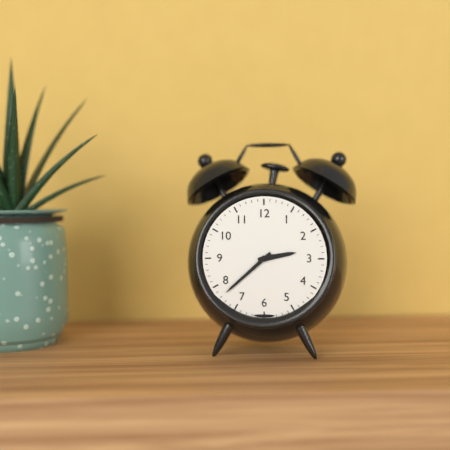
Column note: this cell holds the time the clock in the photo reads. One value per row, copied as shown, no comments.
2:38
